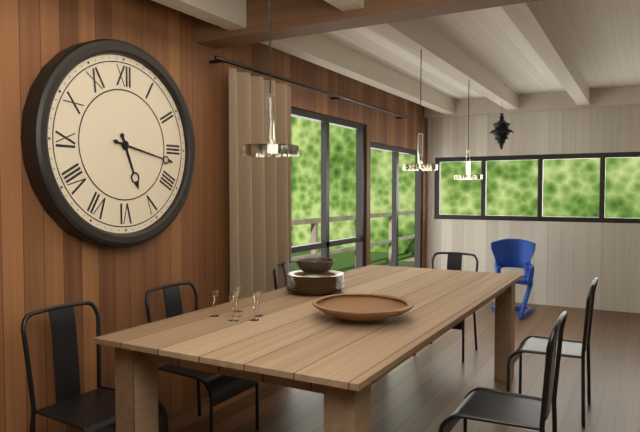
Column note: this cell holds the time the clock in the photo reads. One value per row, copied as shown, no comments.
5:17
